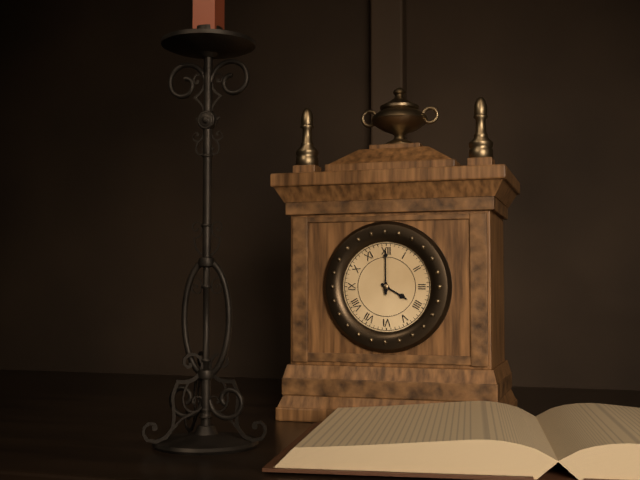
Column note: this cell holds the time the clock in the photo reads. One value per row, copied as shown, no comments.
4:00
